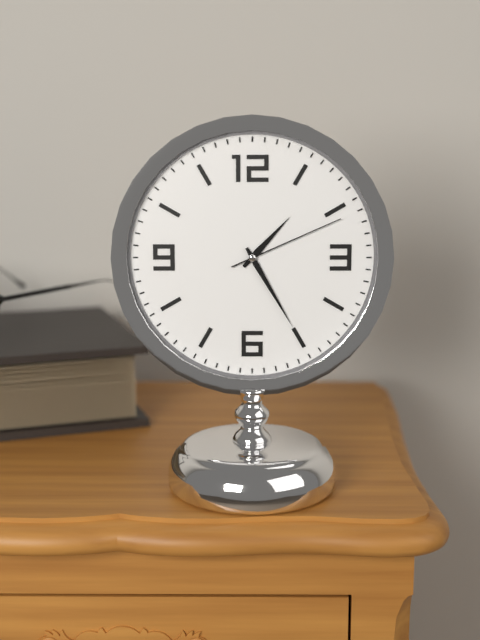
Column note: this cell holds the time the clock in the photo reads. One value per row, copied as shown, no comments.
1:25:11
